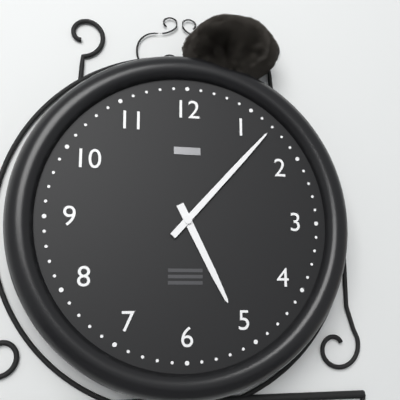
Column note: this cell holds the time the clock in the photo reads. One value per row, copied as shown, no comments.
5:07
